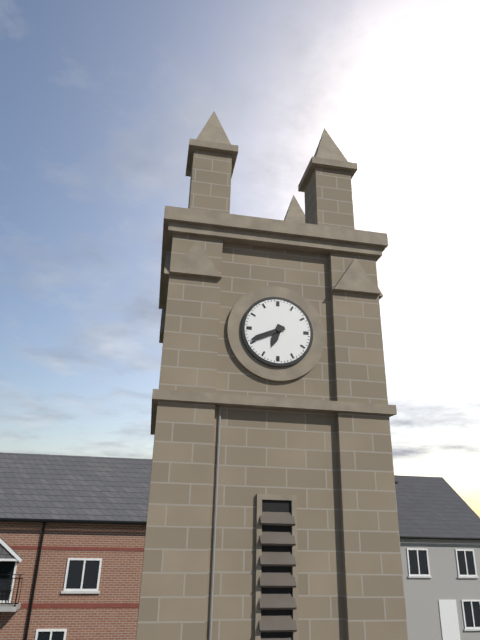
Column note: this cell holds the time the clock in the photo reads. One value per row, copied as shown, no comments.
6:41
